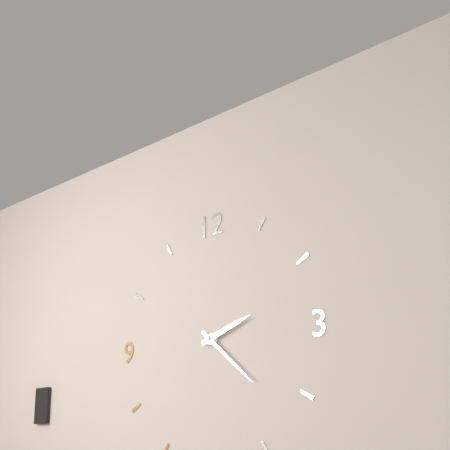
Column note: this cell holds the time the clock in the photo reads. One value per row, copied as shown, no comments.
2:22
